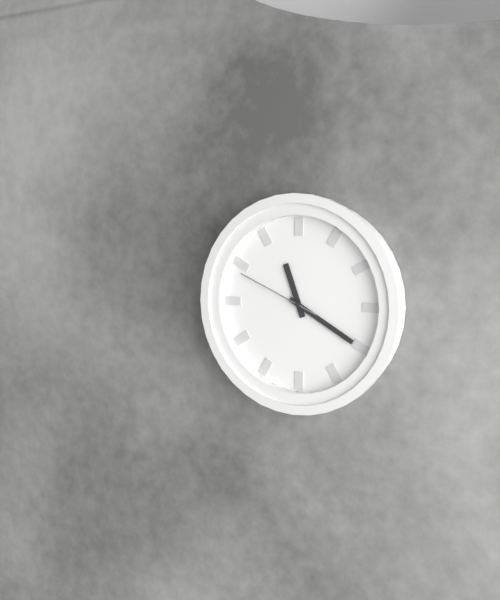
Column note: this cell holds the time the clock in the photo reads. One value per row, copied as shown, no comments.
11:20:49
